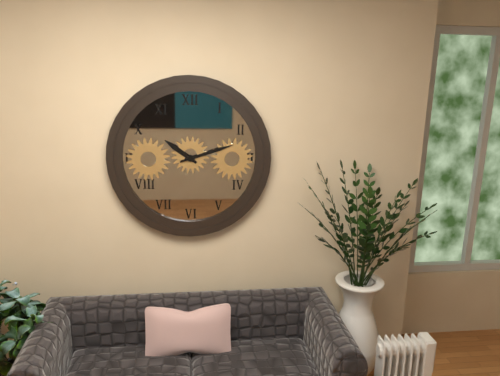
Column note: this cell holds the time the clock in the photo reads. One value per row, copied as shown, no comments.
10:12
